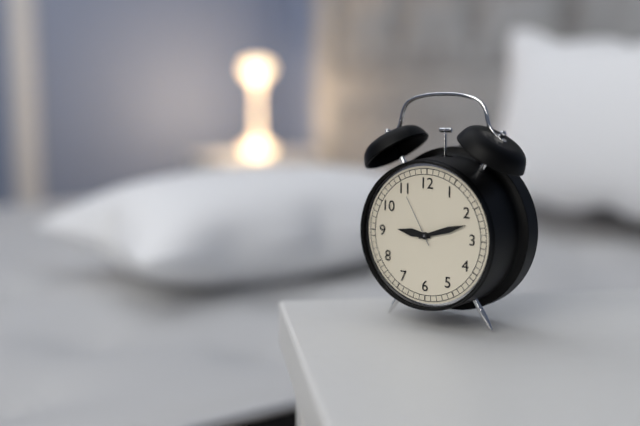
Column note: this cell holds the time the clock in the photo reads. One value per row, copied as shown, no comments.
9:12:55
